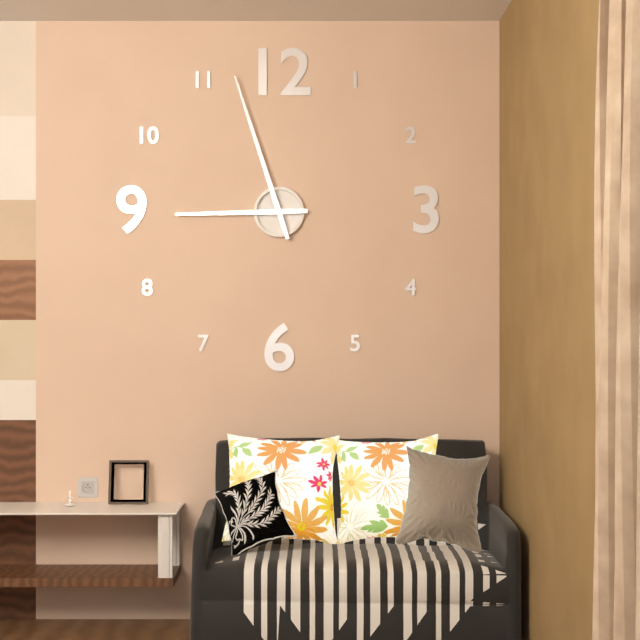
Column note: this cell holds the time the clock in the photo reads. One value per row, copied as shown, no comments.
8:57
